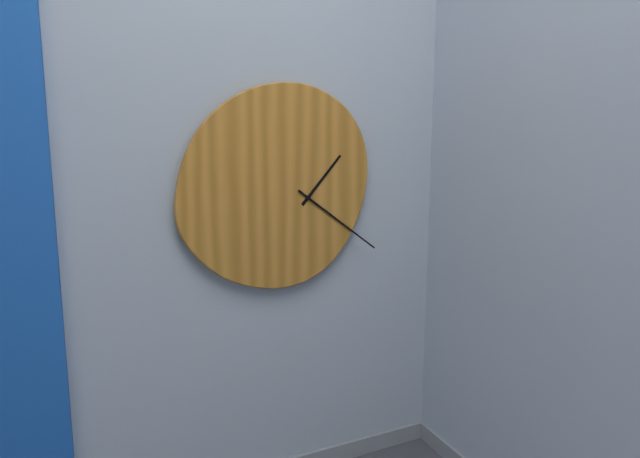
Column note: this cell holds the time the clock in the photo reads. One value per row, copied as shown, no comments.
1:21
